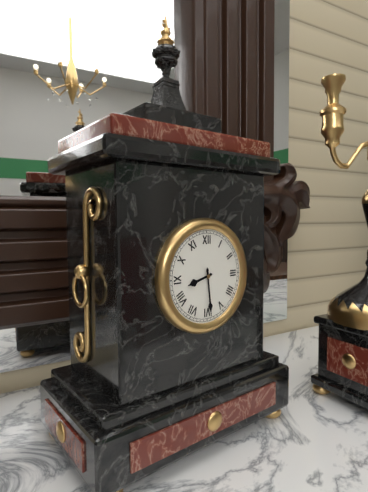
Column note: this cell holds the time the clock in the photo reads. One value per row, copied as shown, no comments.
8:29
